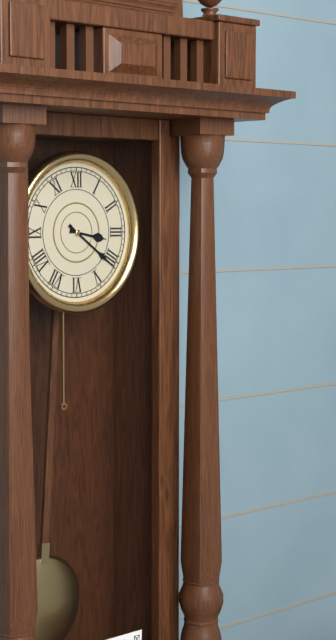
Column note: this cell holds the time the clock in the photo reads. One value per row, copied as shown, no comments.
3:21
